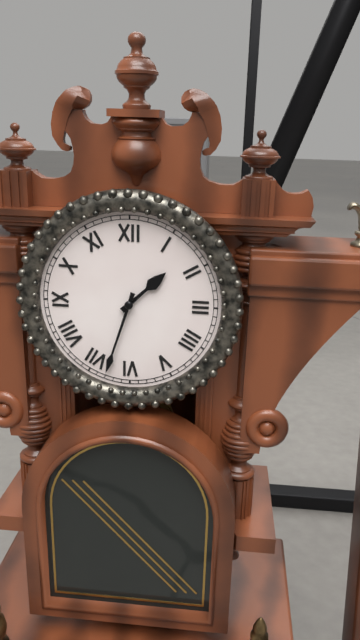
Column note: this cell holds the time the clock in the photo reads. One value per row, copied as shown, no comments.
1:33
